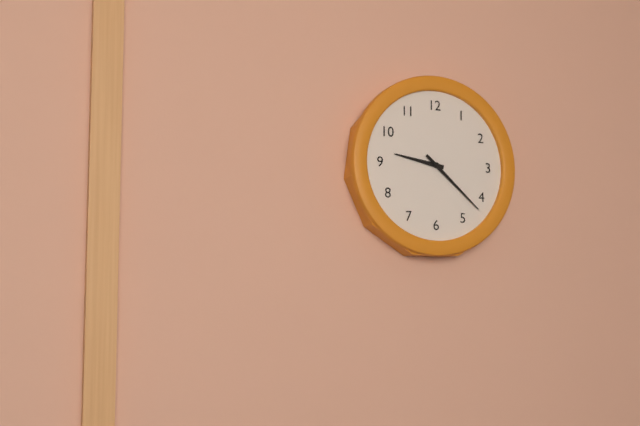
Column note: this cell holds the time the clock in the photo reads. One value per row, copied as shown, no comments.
9:22
